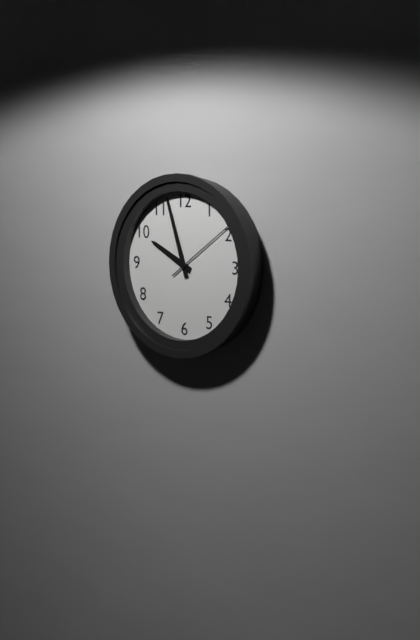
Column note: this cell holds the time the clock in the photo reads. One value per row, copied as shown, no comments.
9:57:09
